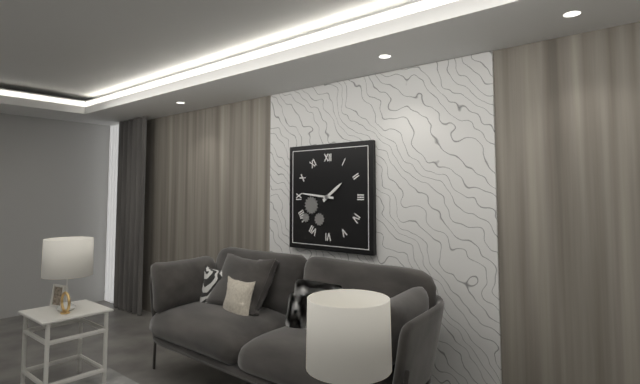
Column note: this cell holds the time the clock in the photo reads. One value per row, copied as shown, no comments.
1:46
